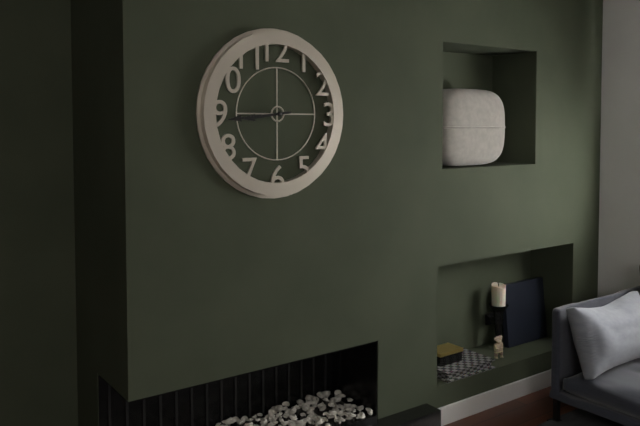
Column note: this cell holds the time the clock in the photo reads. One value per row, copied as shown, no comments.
8:44
